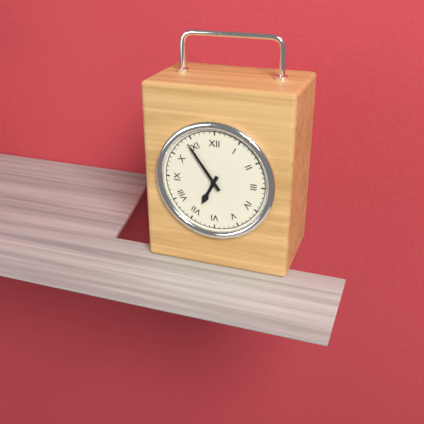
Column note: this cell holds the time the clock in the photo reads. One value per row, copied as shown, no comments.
6:54
